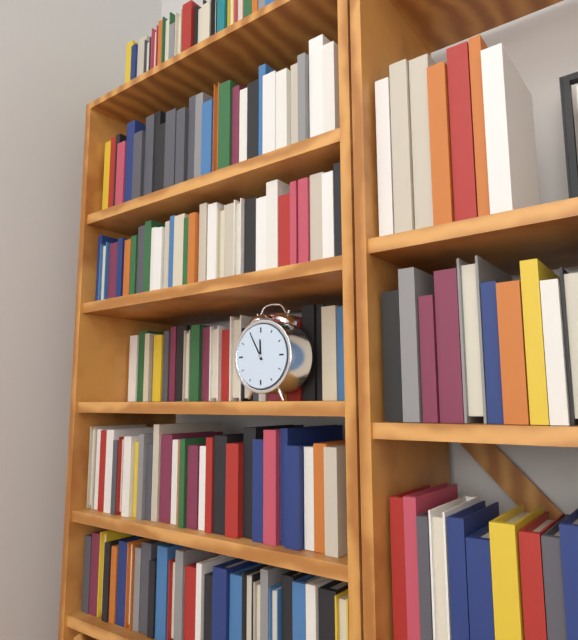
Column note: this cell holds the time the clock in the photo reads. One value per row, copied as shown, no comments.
11:55
